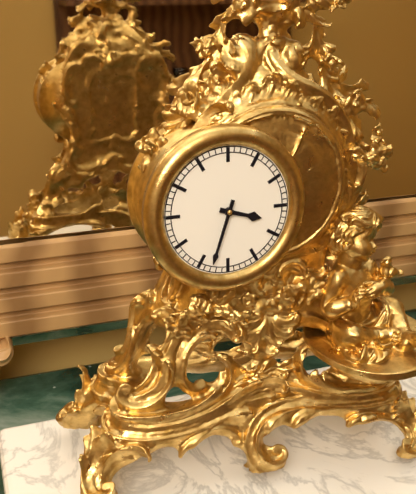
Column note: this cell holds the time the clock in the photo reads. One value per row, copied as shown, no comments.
3:33
